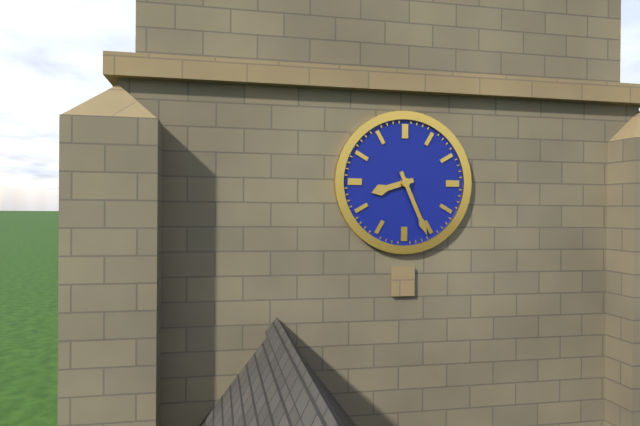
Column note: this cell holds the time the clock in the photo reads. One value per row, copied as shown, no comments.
8:26
